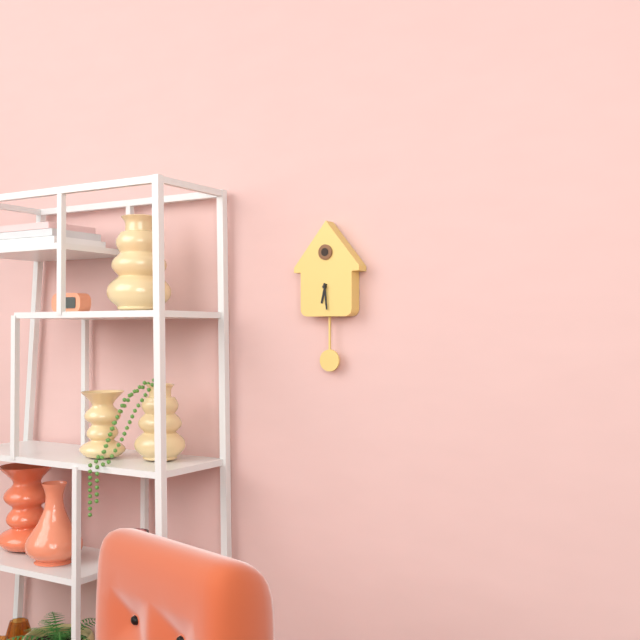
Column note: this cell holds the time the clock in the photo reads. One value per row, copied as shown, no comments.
6:29
